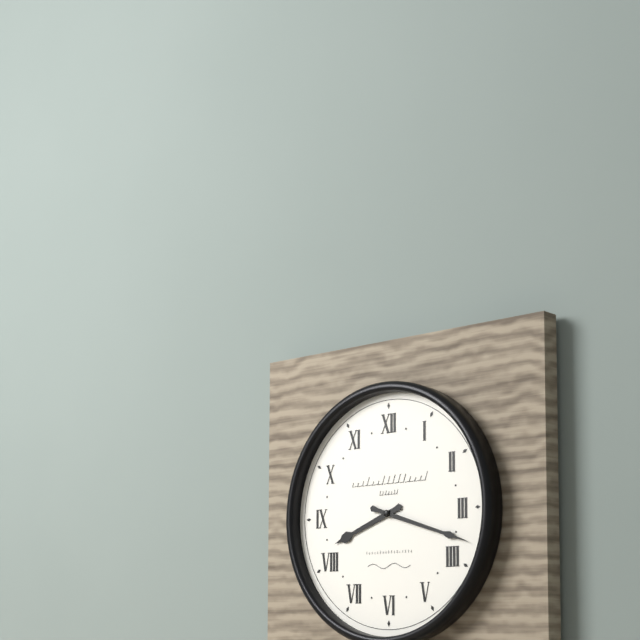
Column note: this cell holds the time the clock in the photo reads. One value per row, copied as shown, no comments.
8:18
